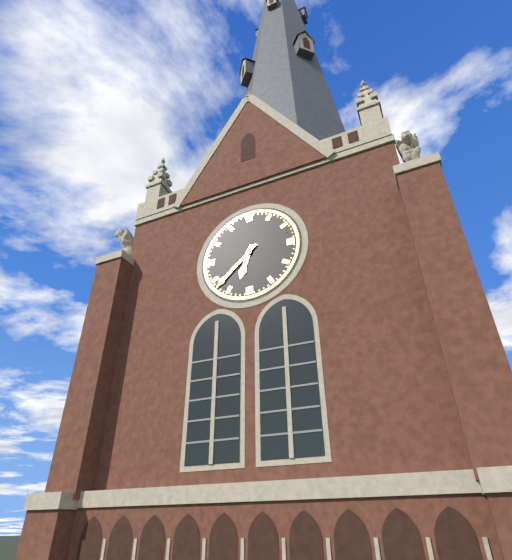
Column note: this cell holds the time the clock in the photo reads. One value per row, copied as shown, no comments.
6:38
